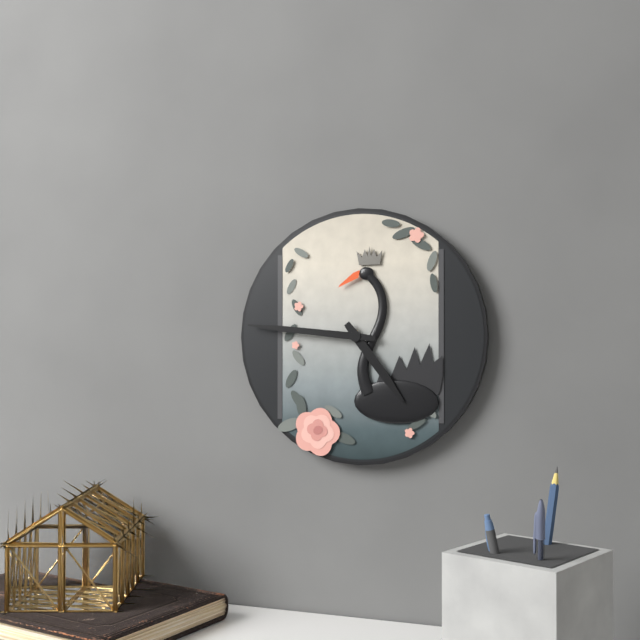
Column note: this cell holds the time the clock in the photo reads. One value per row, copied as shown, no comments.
4:46
